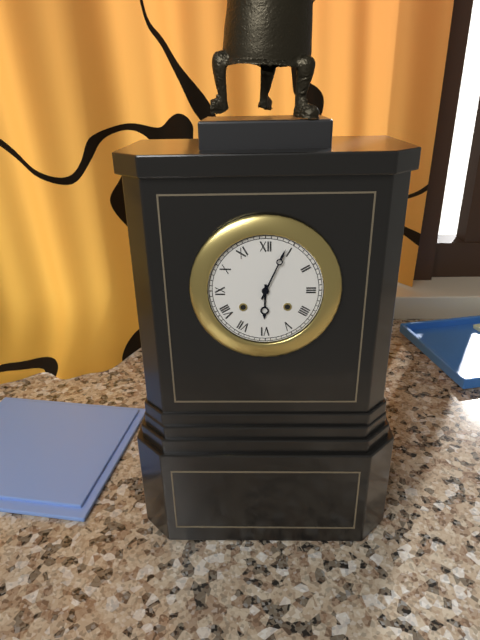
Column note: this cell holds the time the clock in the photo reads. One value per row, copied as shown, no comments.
6:04
